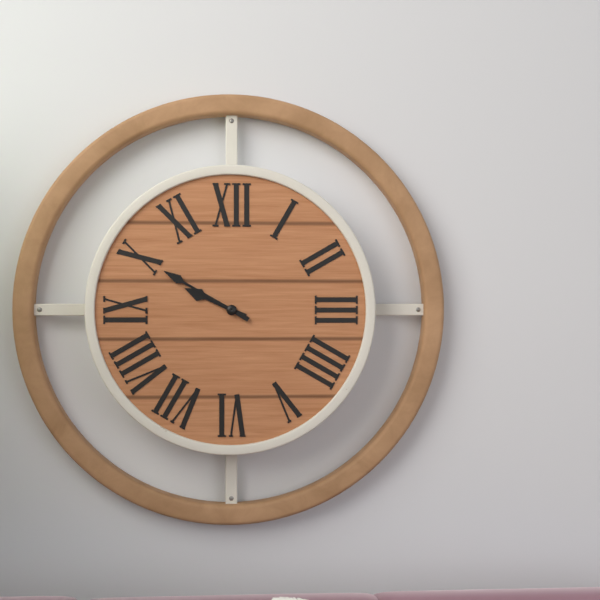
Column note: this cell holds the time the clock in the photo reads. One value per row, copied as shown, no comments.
9:50
